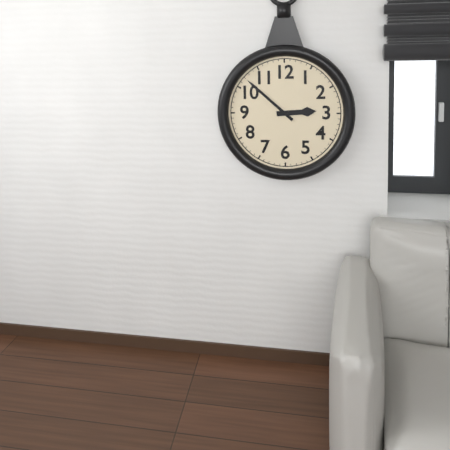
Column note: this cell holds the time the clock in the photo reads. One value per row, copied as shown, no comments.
2:52
